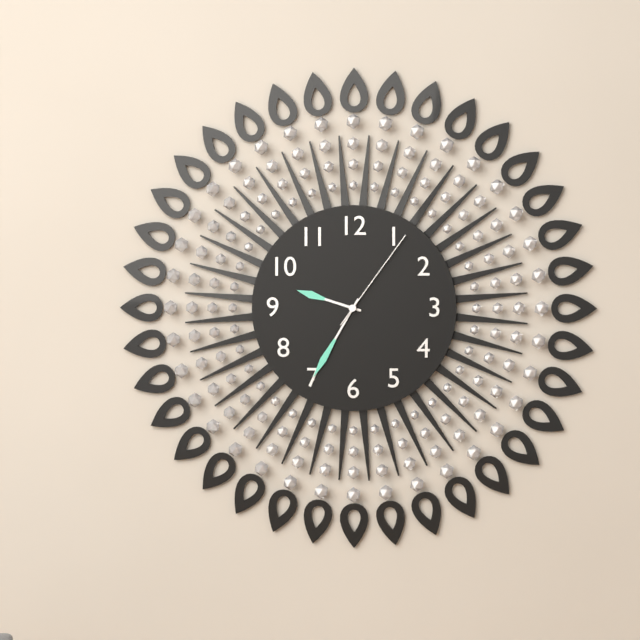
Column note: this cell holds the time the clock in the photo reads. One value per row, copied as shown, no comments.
9:35:06
